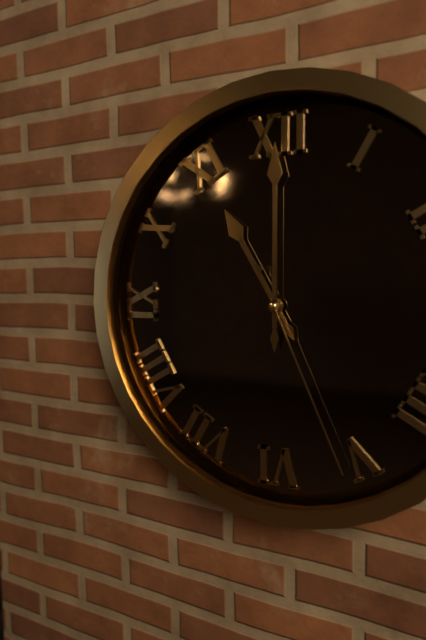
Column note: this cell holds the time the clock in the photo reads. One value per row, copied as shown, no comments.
11:00:26
